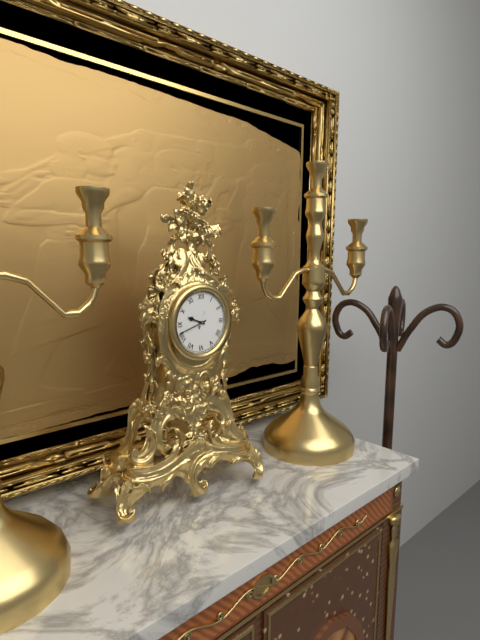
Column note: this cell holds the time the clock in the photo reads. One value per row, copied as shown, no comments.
9:42
